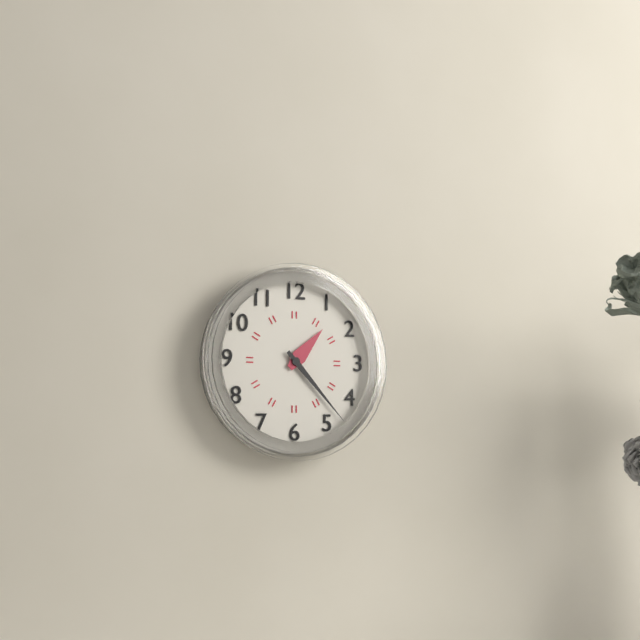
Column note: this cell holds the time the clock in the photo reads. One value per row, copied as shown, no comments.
1:23
